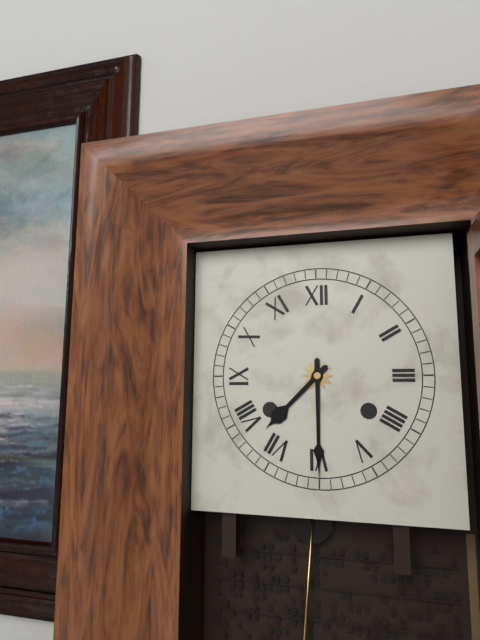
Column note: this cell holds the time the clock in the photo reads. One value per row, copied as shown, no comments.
7:30
